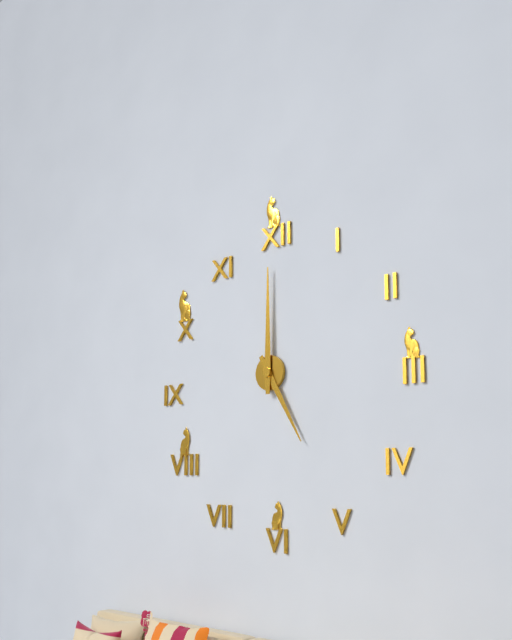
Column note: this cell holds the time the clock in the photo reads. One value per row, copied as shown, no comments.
5:00
